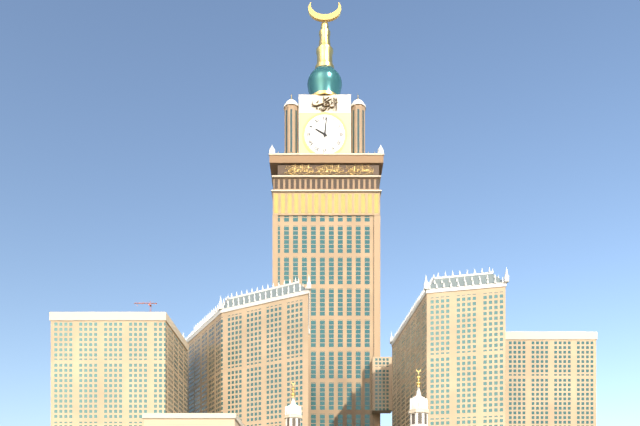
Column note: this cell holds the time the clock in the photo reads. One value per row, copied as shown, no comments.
10:01
